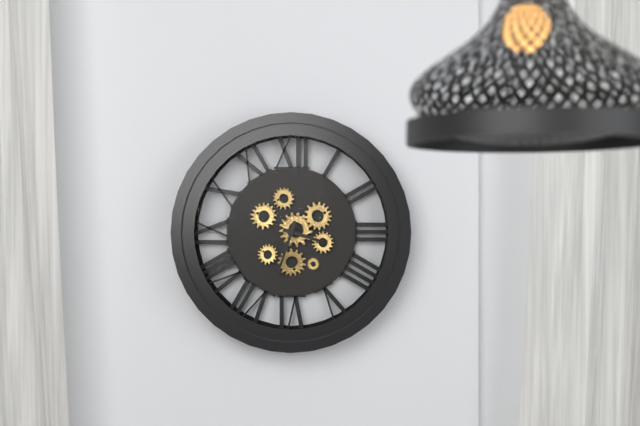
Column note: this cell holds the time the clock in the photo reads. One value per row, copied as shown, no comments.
3:33
